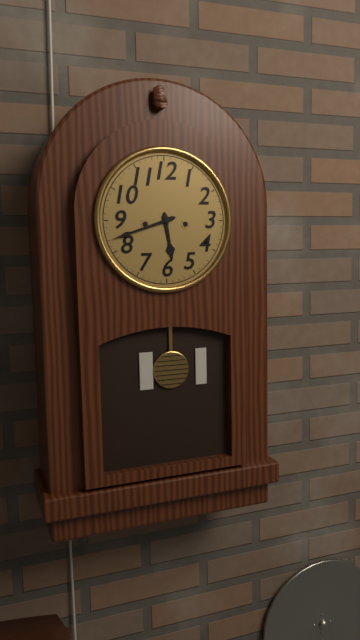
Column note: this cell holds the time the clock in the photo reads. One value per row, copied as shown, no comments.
5:42
